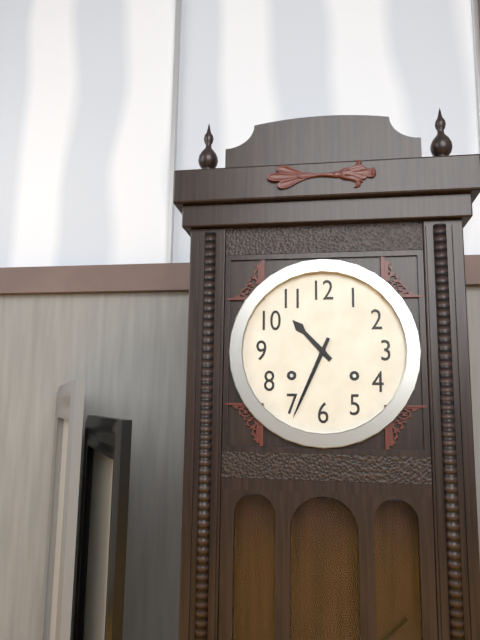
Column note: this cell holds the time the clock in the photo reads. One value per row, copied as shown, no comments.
10:34
